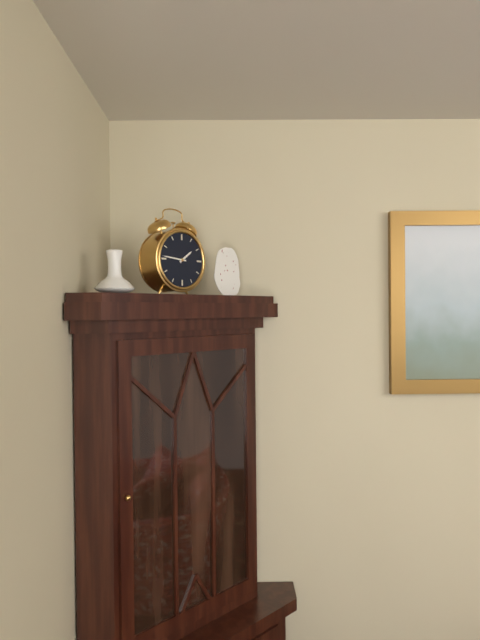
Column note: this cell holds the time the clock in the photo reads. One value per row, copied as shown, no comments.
1:46
